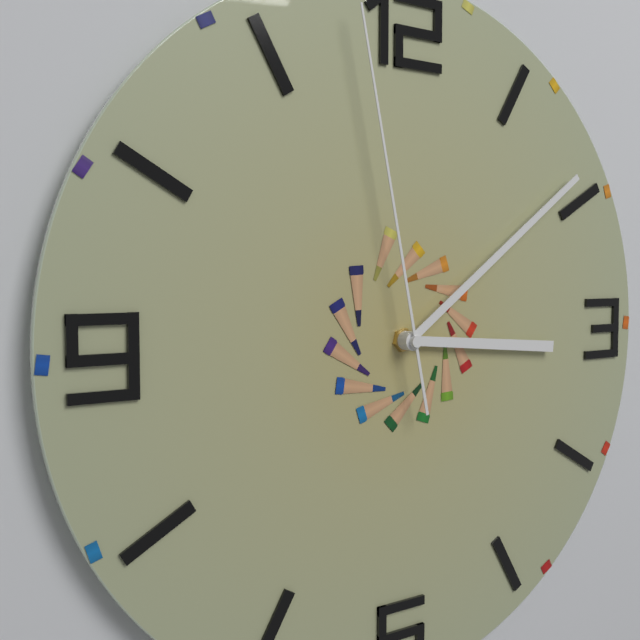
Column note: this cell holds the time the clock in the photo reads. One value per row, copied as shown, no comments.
3:09:58
